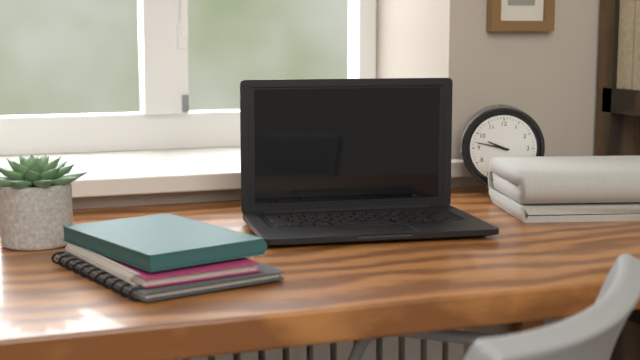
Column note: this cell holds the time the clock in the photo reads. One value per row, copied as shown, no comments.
9:47
